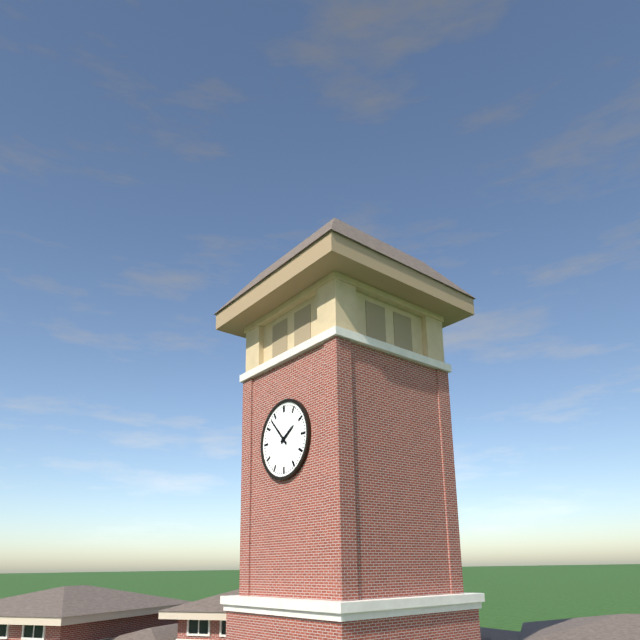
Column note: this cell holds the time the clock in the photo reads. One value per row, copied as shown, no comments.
1:53
